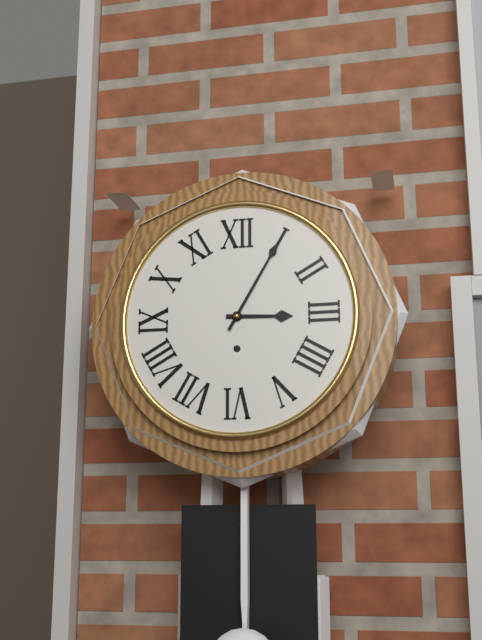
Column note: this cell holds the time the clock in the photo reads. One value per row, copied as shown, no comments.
3:05
